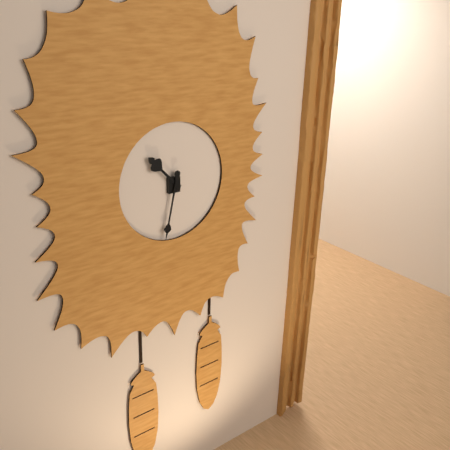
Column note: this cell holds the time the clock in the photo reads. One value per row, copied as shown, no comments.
10:32
